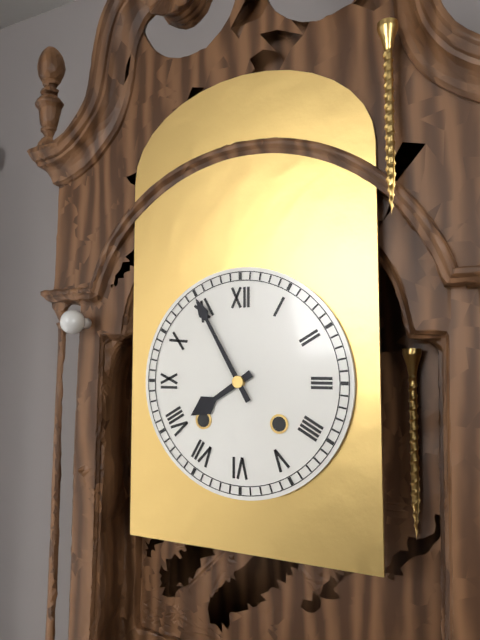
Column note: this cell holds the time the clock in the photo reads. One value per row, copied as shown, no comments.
7:55
